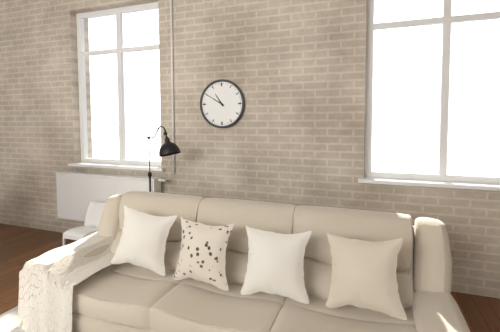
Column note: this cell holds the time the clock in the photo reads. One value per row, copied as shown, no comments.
10:50
